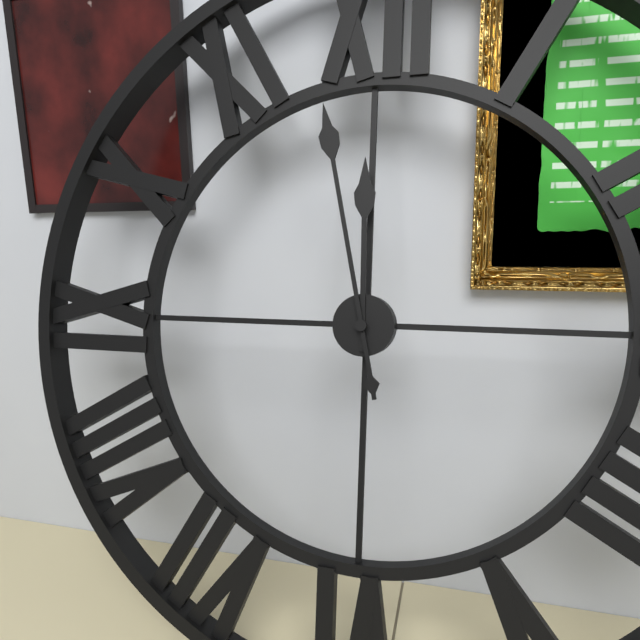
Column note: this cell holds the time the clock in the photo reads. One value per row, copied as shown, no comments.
11:58
